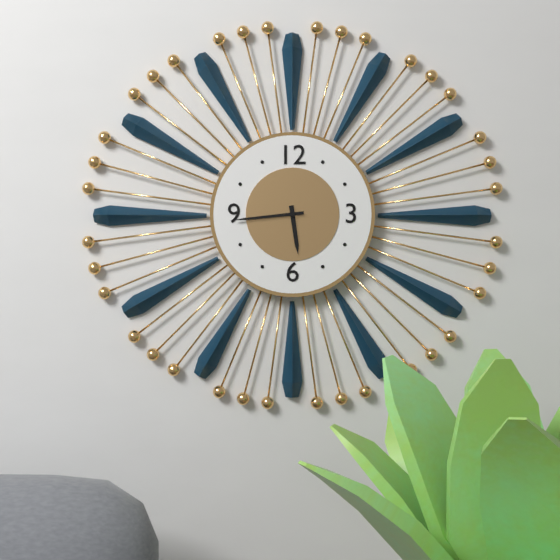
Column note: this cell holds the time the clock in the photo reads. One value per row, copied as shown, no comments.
5:44
